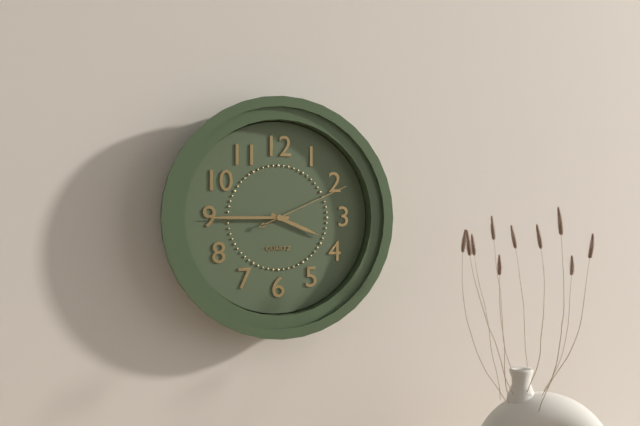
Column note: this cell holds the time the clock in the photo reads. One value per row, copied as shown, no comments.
3:45:11
